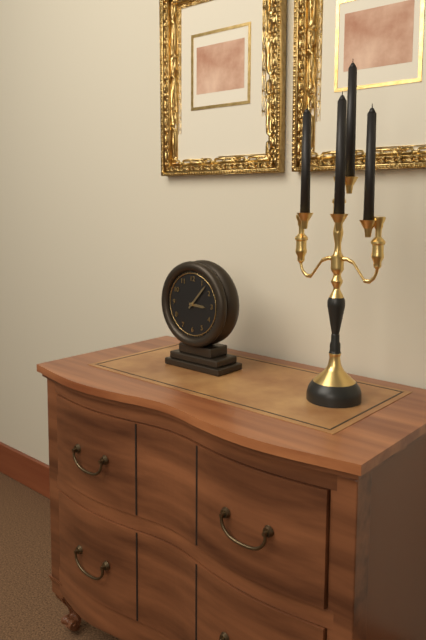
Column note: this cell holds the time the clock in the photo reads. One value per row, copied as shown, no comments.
3:07
